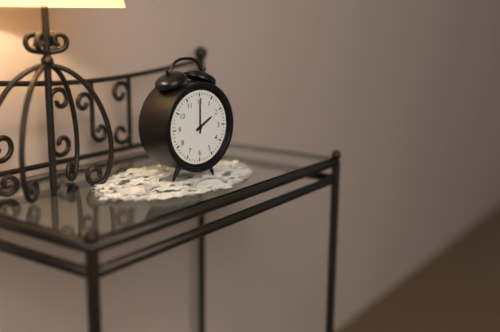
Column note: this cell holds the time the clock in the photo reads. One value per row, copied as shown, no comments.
2:00
